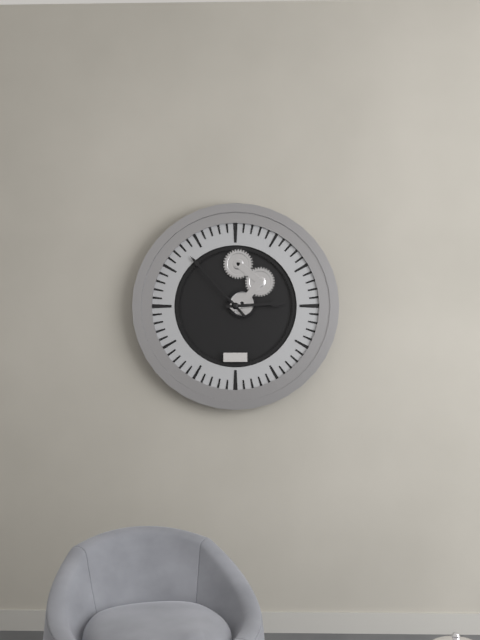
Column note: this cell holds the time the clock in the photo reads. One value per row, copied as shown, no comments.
2:53
